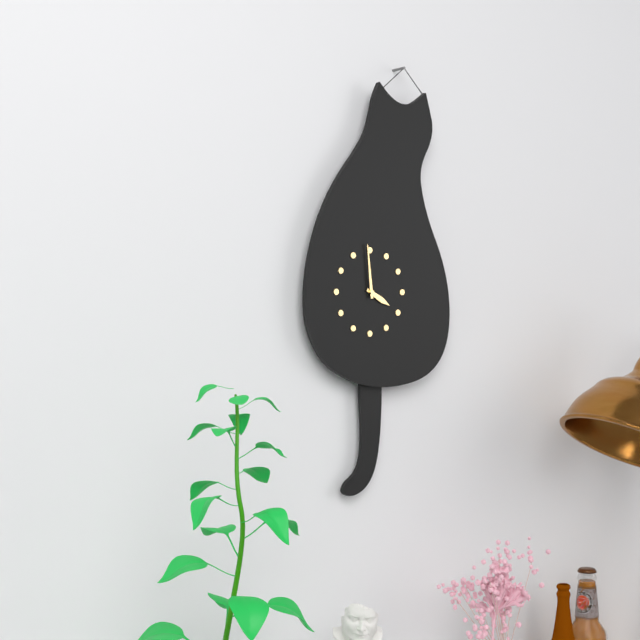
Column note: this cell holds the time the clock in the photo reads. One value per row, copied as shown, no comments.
3:59
